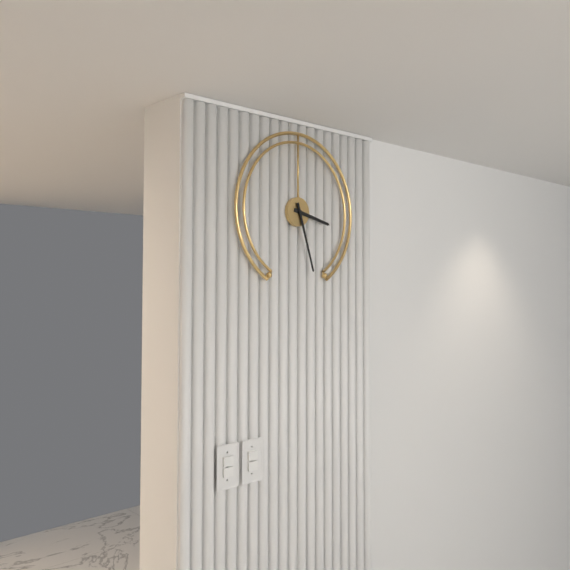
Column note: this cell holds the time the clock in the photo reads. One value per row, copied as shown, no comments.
3:27
